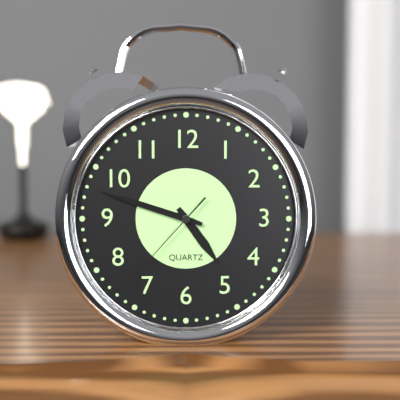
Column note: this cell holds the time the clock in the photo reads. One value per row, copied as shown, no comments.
4:48:37
